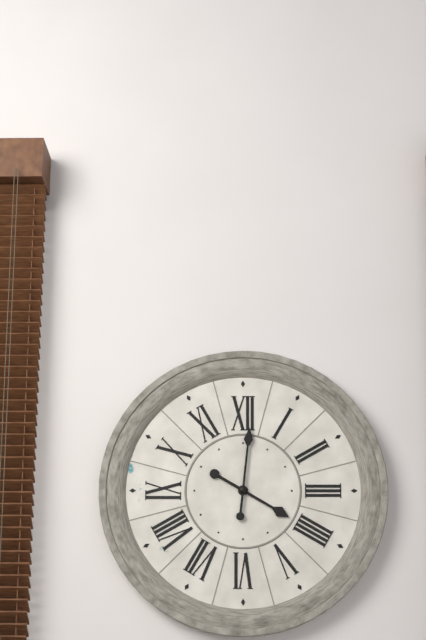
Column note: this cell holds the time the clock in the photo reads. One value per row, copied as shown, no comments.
4:01
